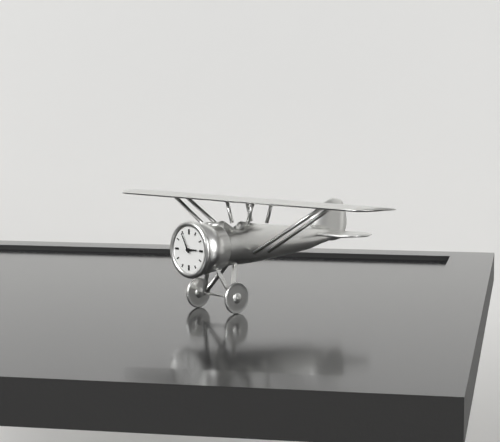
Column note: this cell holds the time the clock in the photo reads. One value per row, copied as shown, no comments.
2:55
